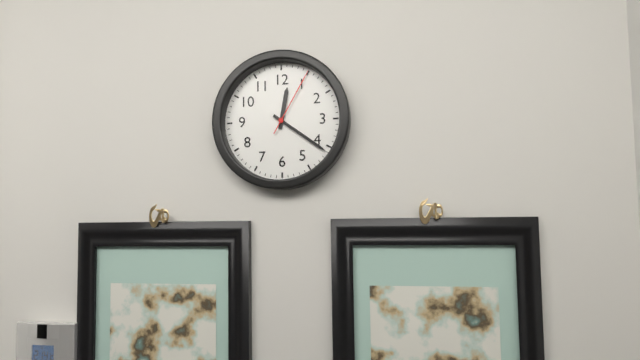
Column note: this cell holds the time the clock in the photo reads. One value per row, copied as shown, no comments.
12:21:05
